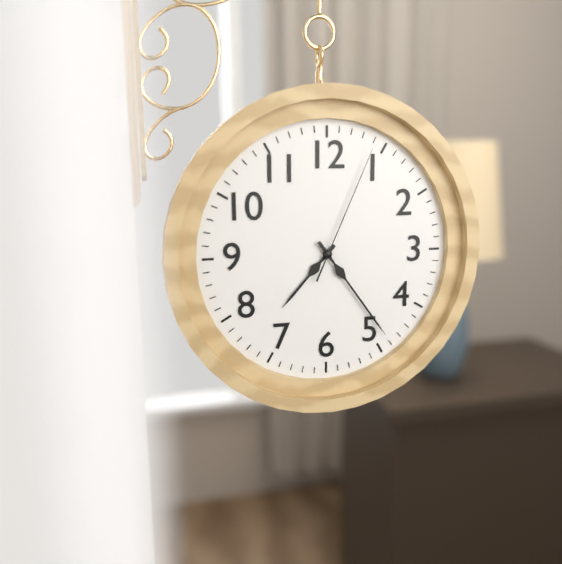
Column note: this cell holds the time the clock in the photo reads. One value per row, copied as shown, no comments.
7:24:04
